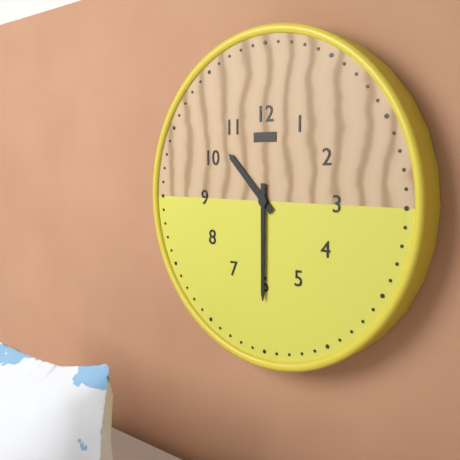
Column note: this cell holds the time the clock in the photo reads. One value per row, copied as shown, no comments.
10:30
